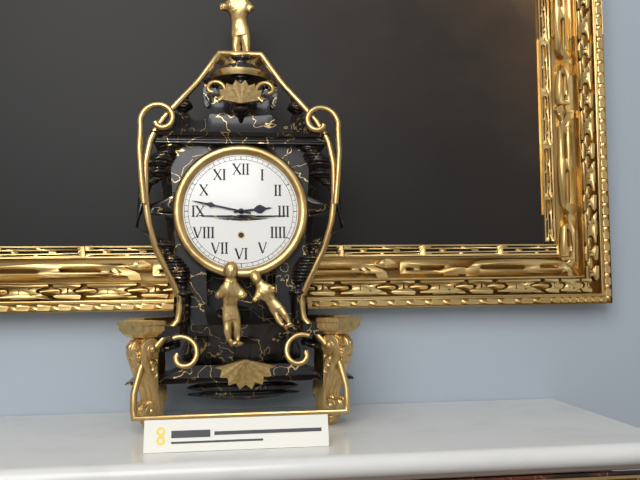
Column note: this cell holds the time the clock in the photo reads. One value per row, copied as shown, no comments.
2:47
